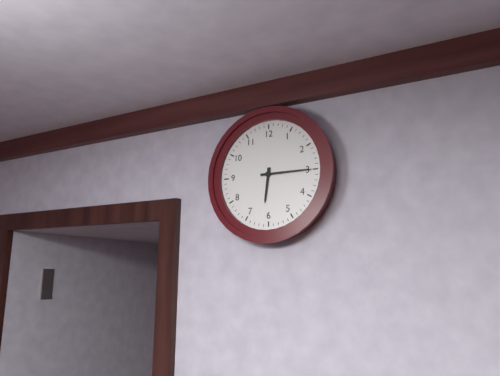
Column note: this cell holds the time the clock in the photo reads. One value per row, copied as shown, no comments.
6:15
